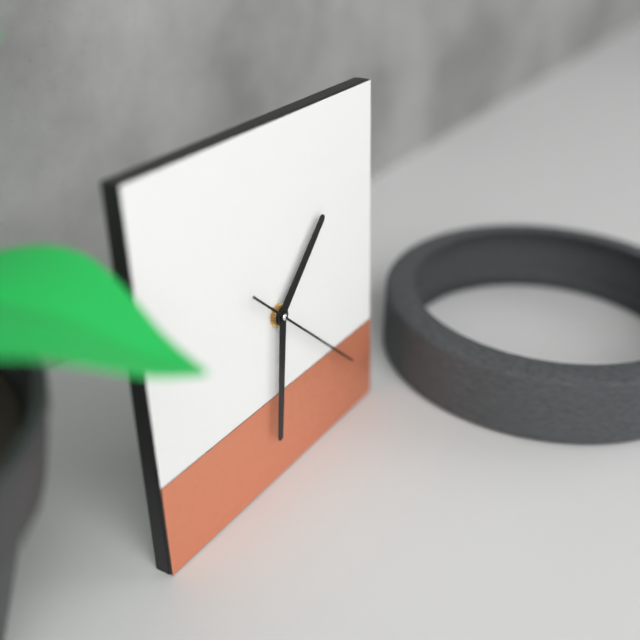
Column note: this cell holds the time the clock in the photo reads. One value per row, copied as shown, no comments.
1:31:22
